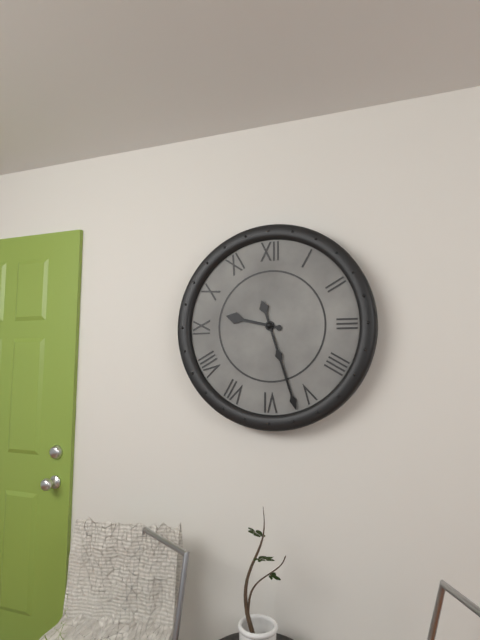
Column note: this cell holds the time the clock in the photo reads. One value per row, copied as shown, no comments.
9:27
